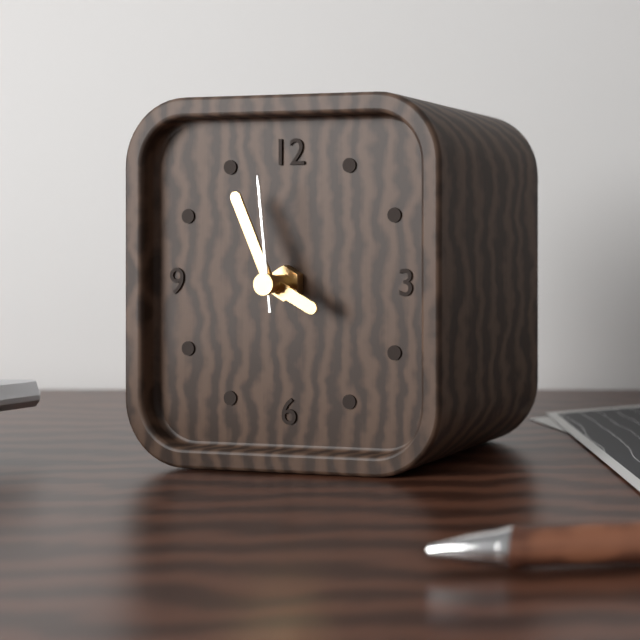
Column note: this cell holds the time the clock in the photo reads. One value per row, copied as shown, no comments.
3:56:59
